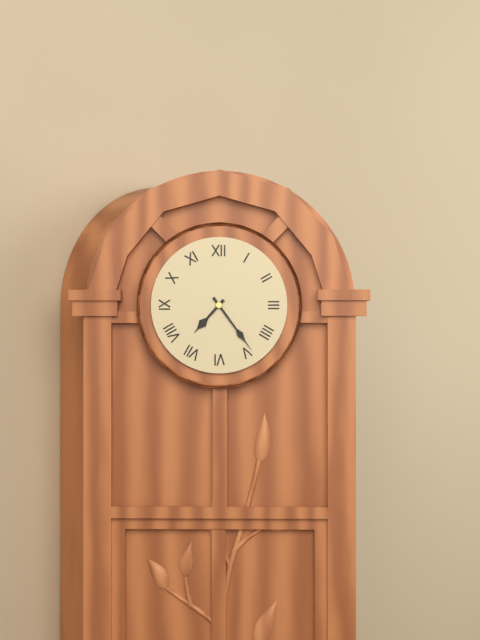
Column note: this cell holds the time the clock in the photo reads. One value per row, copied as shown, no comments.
7:24
